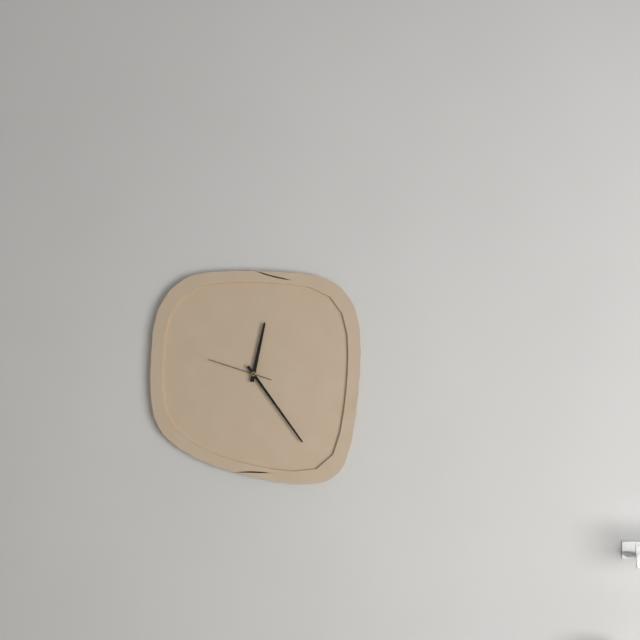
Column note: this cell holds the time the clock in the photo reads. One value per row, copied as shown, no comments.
12:24:48
